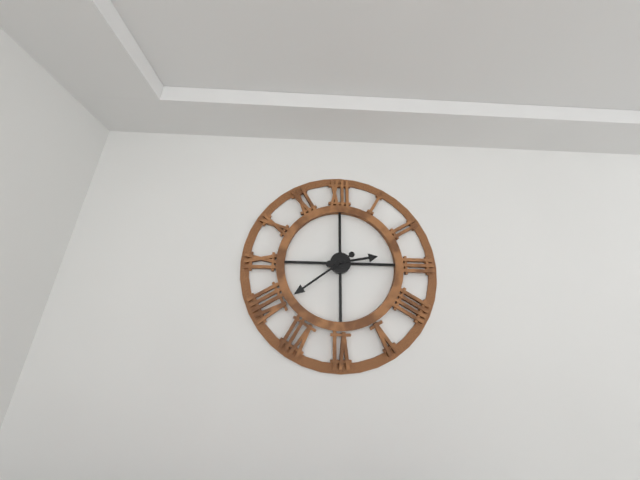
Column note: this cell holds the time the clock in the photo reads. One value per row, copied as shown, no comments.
2:39
